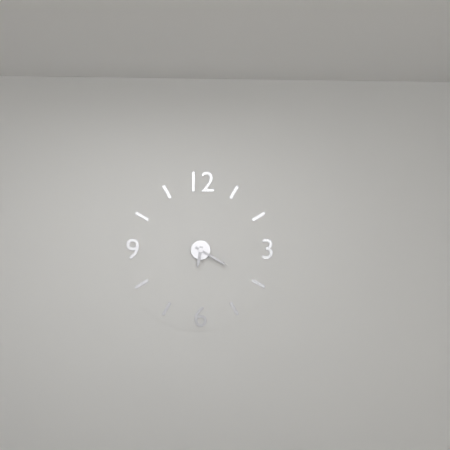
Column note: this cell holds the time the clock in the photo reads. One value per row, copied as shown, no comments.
6:20
